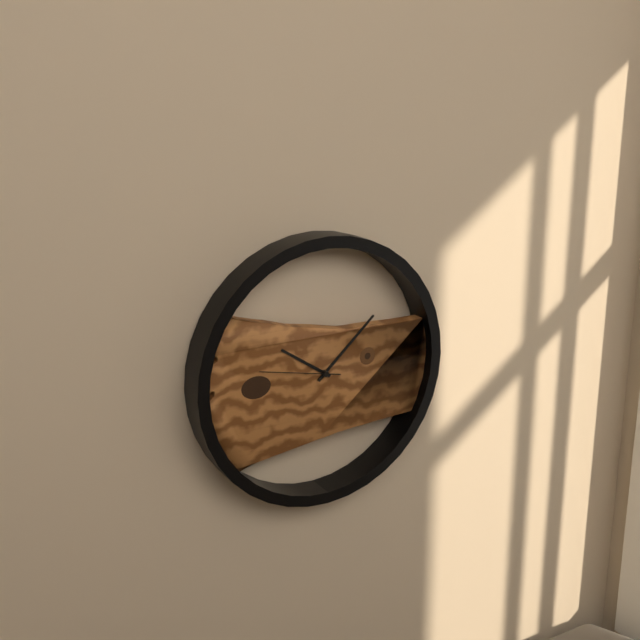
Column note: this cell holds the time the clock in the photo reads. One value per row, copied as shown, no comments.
10:08:47
